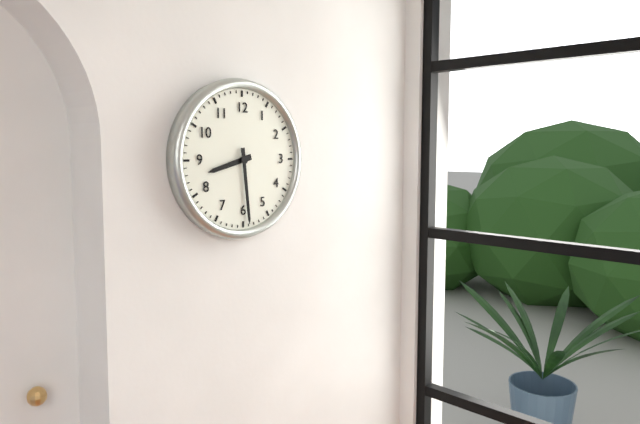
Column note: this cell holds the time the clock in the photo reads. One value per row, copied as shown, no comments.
8:29
